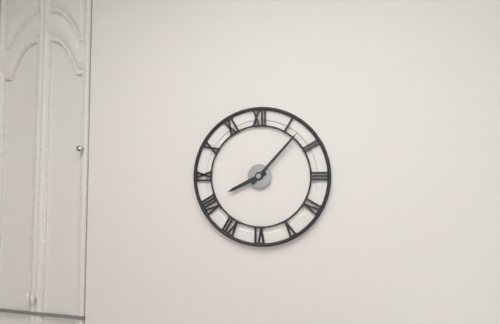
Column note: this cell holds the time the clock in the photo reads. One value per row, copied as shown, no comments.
8:07
